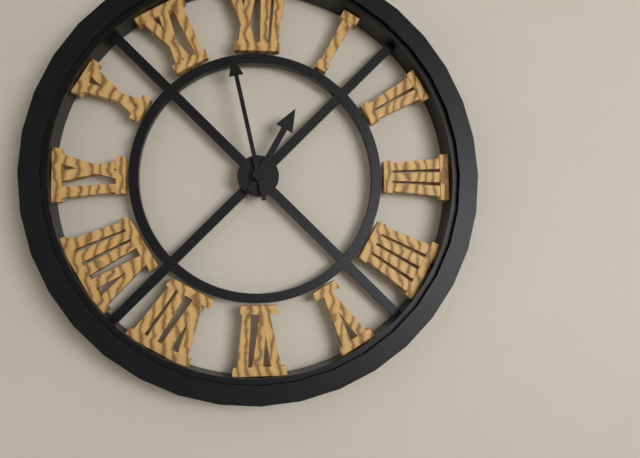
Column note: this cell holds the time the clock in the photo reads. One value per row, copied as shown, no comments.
12:58
